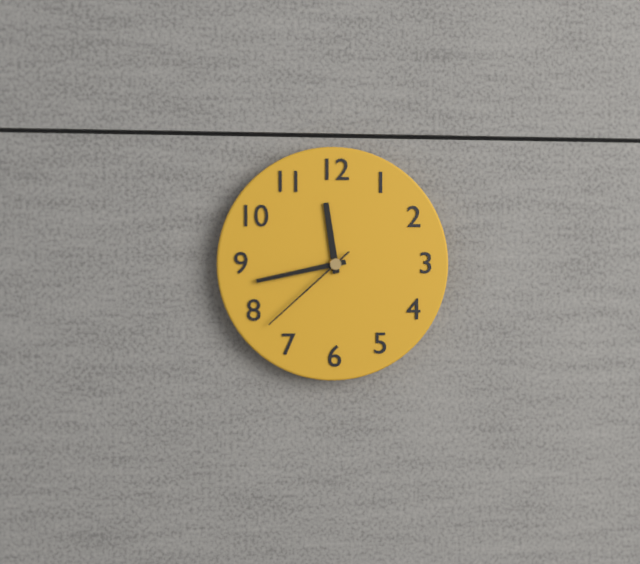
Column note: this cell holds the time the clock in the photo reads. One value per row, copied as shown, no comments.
11:43:38
